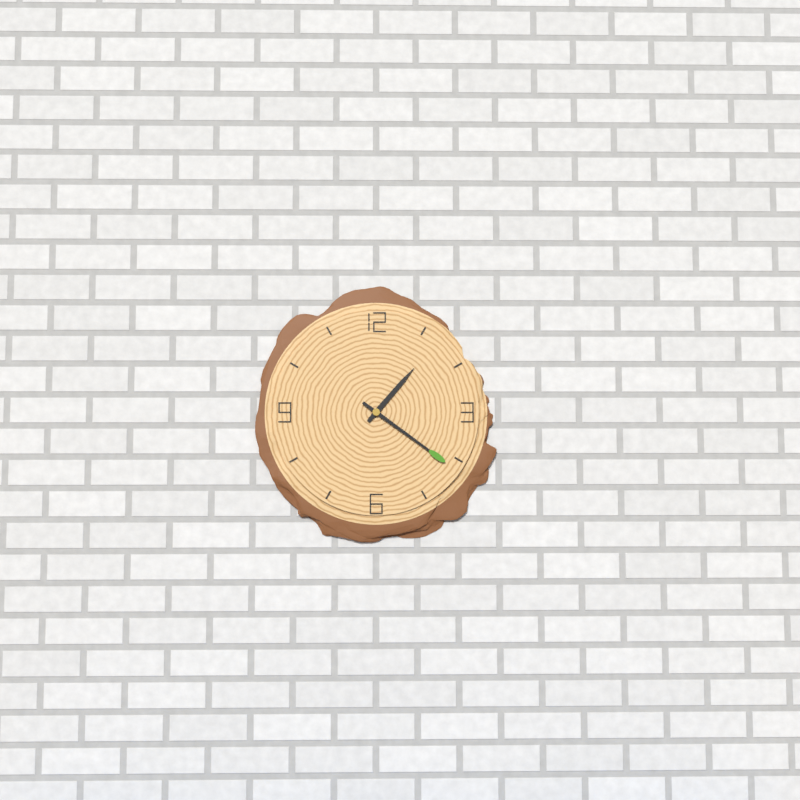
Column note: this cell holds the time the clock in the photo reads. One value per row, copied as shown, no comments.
1:21
